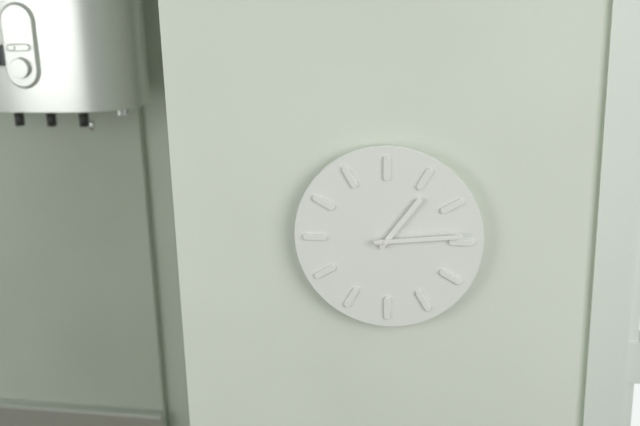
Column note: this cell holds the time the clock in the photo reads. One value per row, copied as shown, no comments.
1:14
